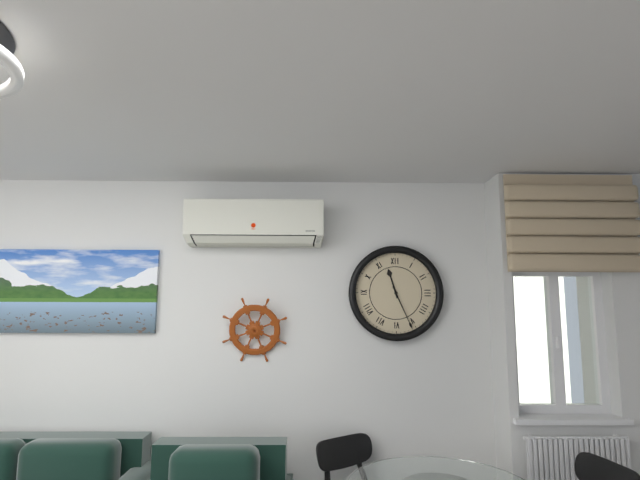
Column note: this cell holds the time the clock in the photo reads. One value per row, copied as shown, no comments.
11:26
